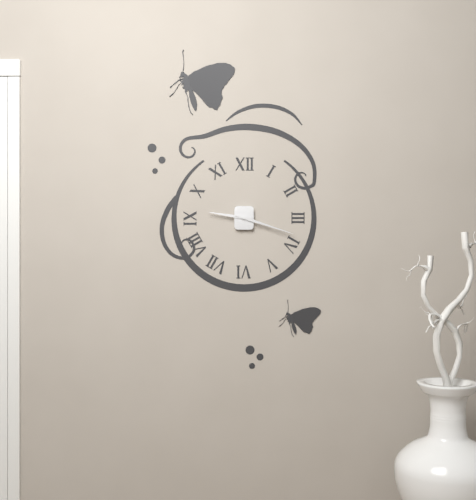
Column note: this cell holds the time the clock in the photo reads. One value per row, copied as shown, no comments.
9:18
